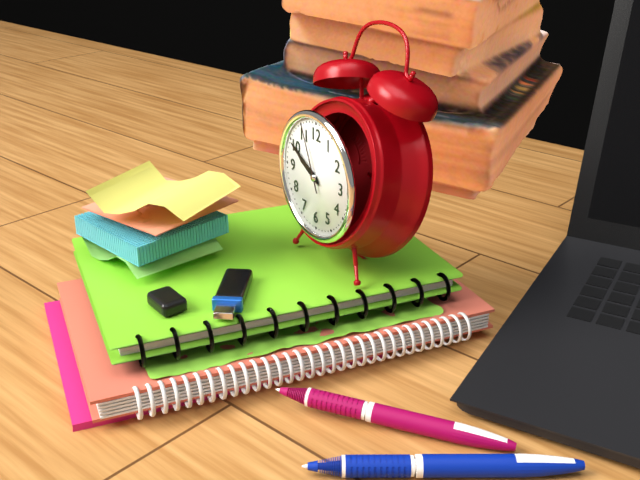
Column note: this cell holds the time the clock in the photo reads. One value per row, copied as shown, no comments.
9:50:56
